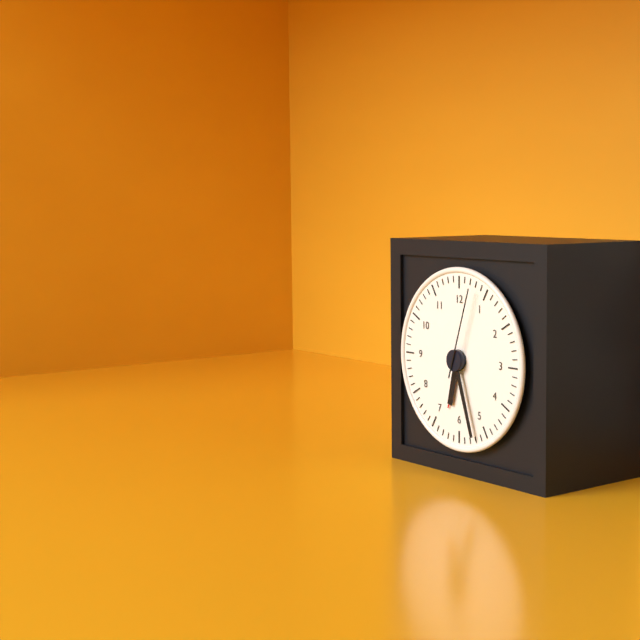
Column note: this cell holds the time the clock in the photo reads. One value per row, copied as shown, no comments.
6:27:03
